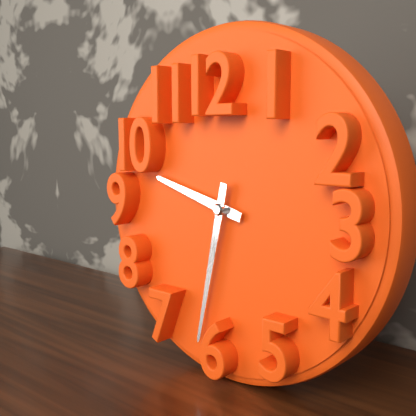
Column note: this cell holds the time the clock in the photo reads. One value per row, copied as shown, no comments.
9:32
